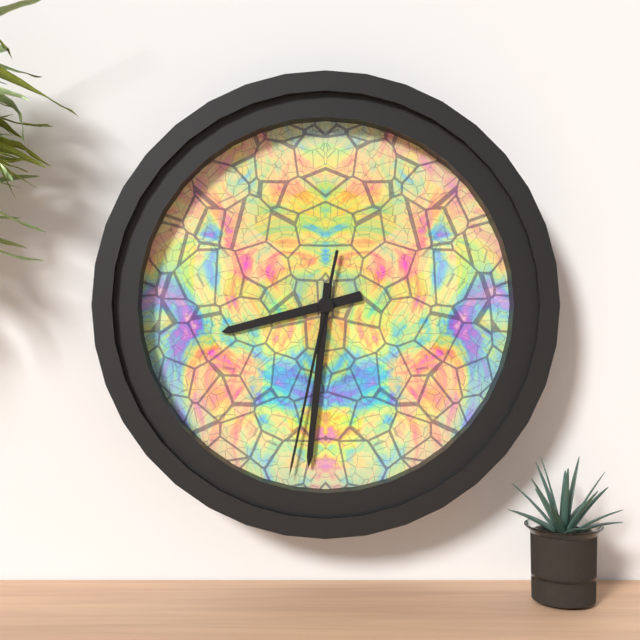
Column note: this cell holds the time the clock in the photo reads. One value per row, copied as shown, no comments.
8:31:32
